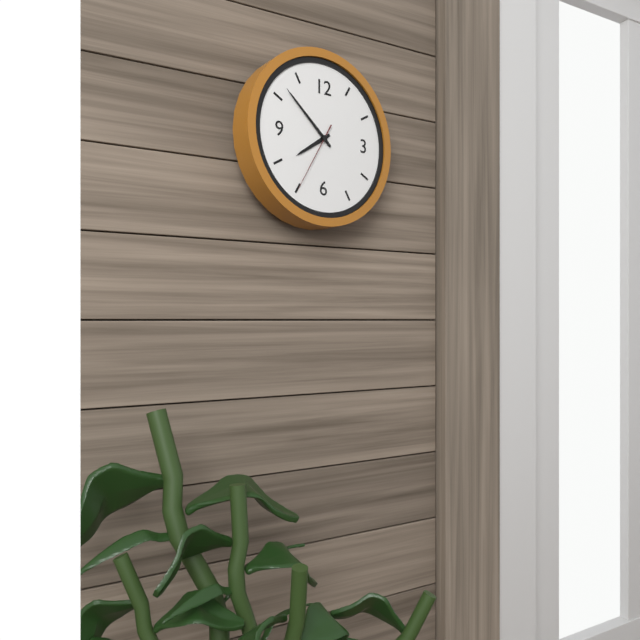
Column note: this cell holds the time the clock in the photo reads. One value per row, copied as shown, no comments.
7:52:35
